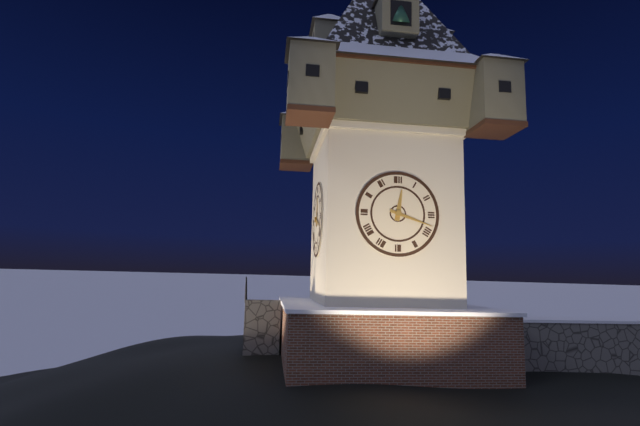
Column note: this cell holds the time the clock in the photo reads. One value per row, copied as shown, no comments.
12:18
